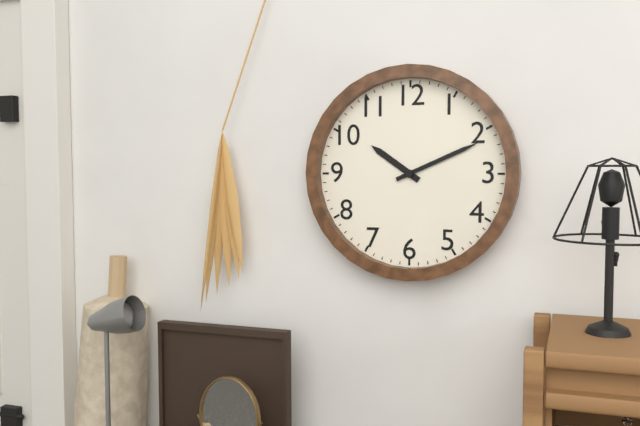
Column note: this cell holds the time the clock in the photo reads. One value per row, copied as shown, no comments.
10:11
